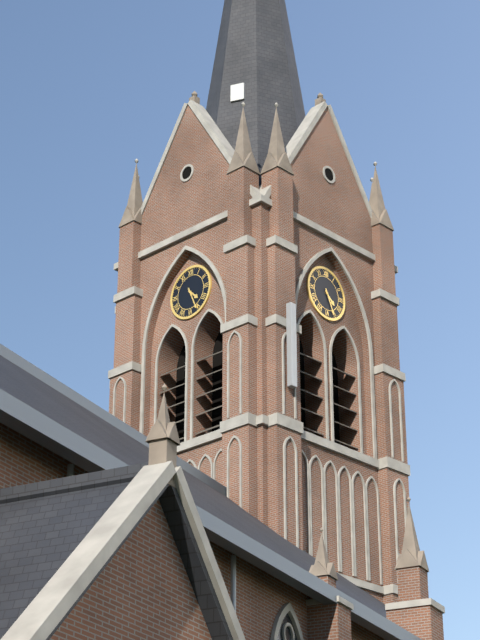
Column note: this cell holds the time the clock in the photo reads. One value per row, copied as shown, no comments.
4:26
